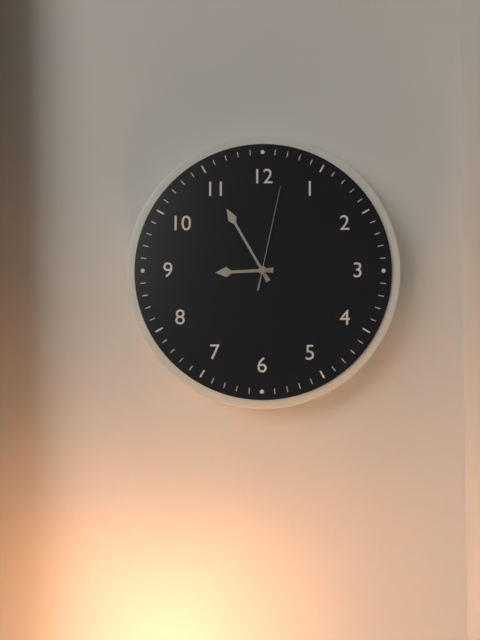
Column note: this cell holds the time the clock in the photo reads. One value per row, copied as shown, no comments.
8:55:02
